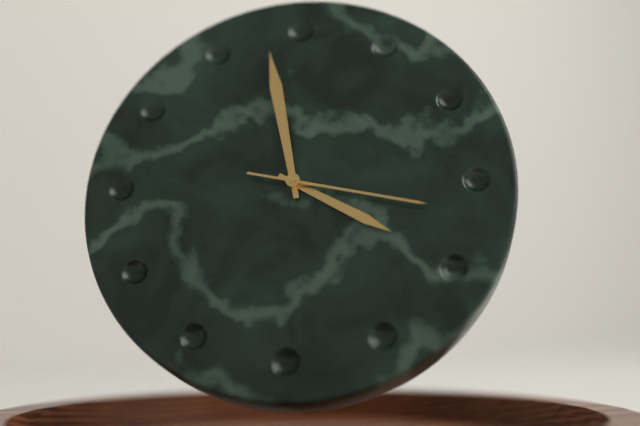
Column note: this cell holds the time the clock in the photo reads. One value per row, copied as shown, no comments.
3:58:17
